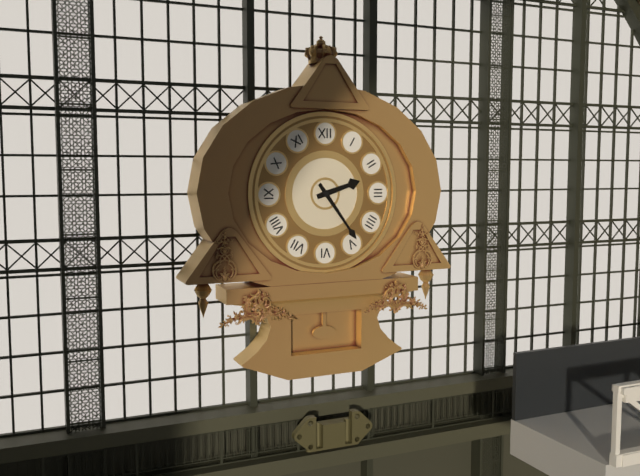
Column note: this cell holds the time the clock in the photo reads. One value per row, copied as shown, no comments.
2:24
